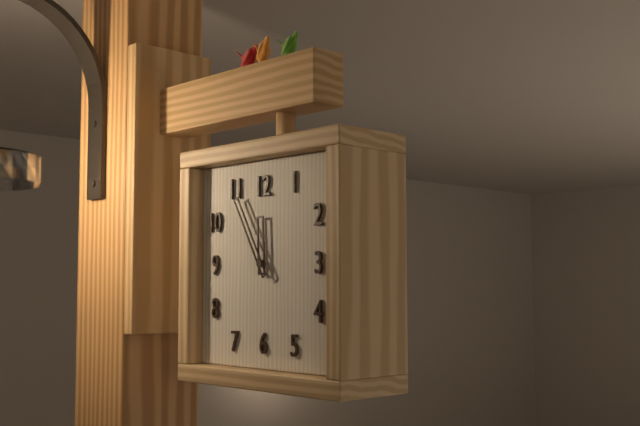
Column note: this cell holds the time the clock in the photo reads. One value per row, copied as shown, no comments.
11:55
